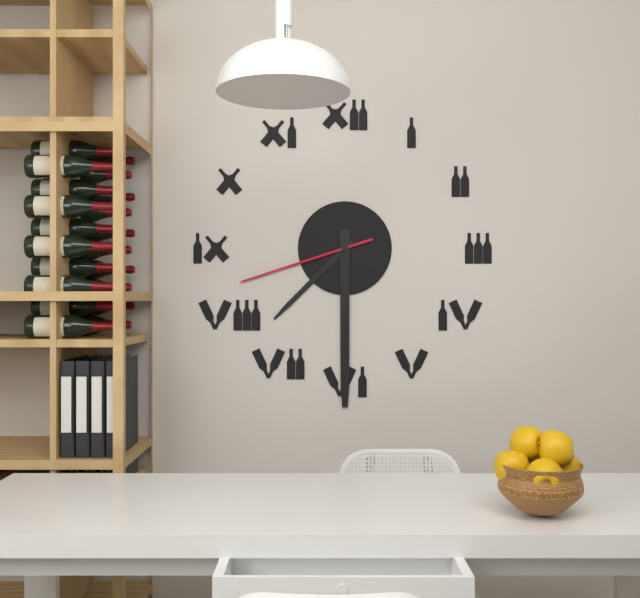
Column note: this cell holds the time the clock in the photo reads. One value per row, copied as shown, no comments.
7:30:42
